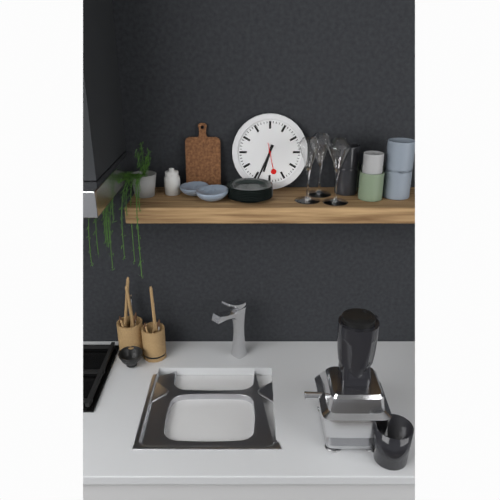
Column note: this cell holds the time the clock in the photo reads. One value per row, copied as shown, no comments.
6:34
